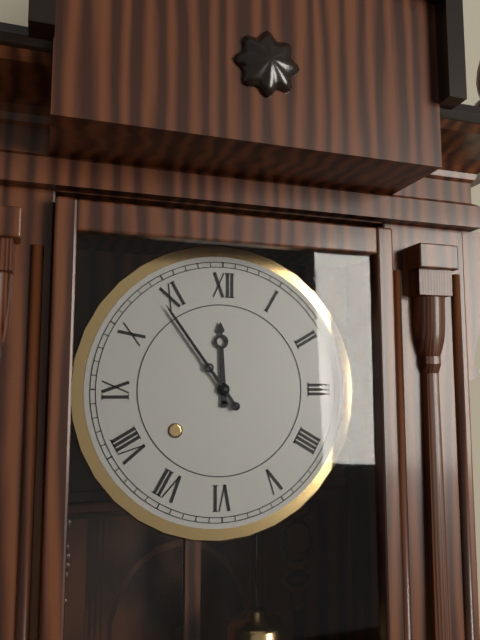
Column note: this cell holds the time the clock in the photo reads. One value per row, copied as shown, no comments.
11:54
